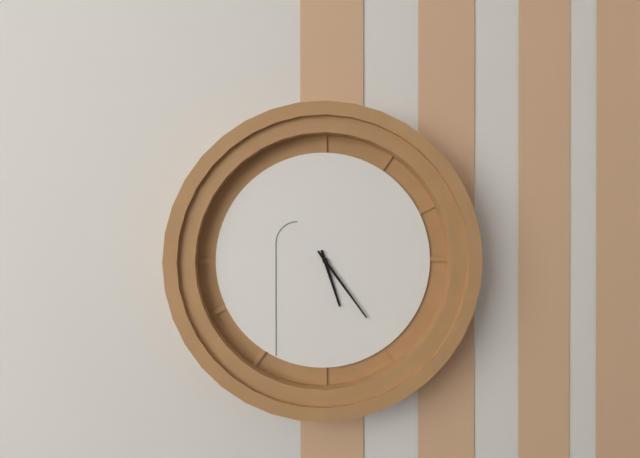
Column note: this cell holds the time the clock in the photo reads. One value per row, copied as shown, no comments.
5:24
